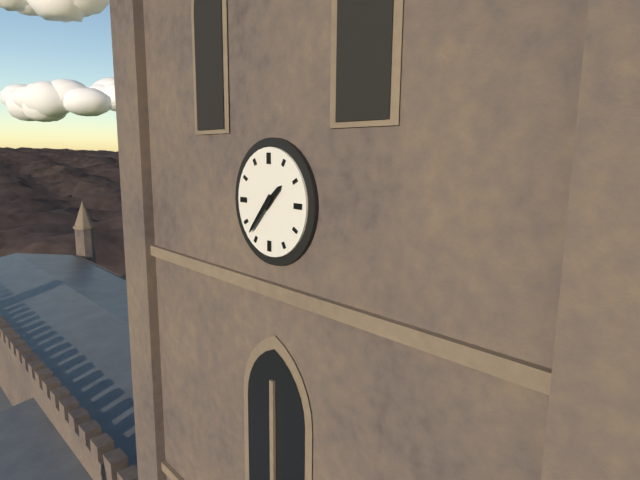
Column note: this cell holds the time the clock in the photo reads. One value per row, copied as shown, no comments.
1:37
